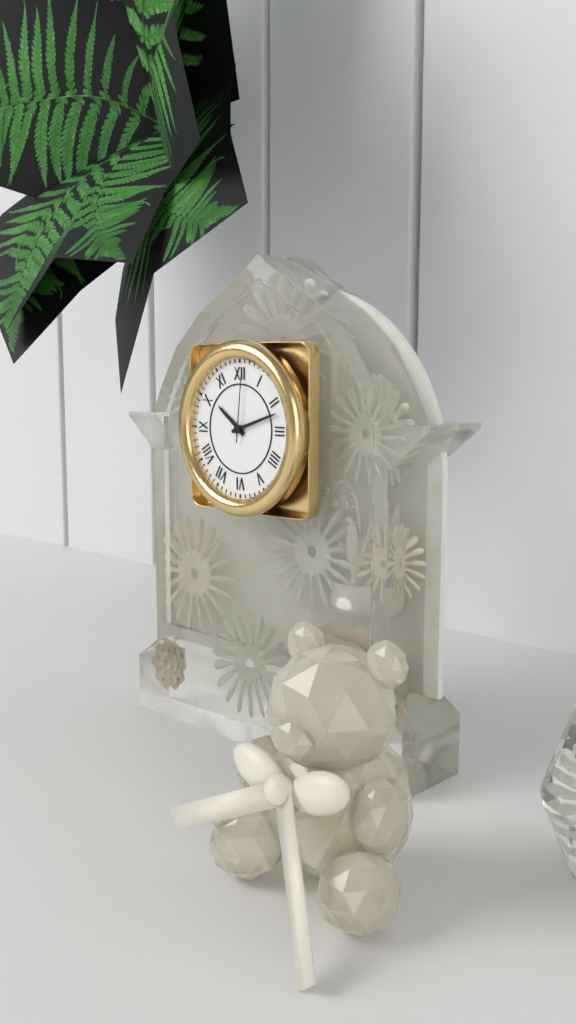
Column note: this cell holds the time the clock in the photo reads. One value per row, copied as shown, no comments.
10:12:01
